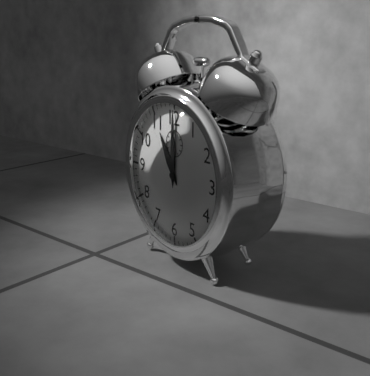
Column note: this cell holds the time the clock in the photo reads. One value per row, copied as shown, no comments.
11:00
